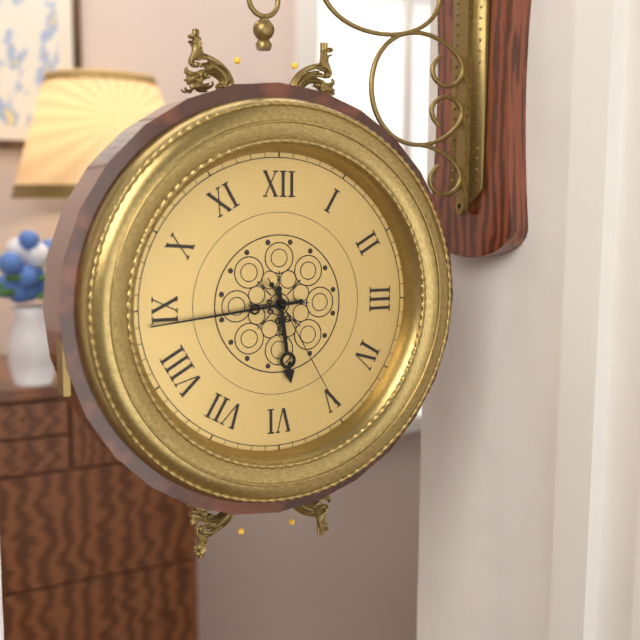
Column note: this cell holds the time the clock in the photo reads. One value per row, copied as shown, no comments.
5:44:25
